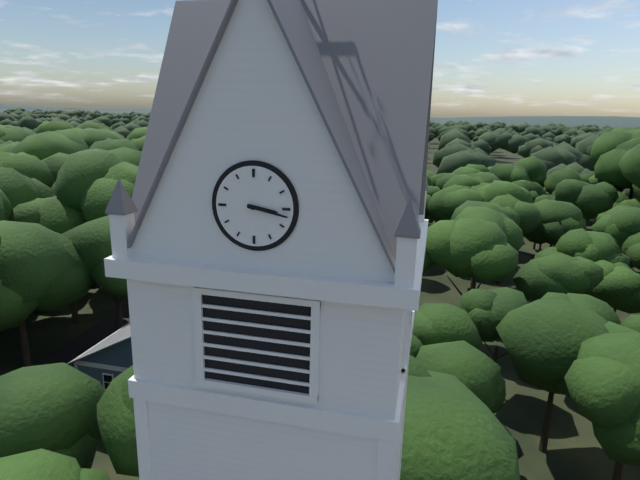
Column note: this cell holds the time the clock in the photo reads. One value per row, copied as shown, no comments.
3:17
